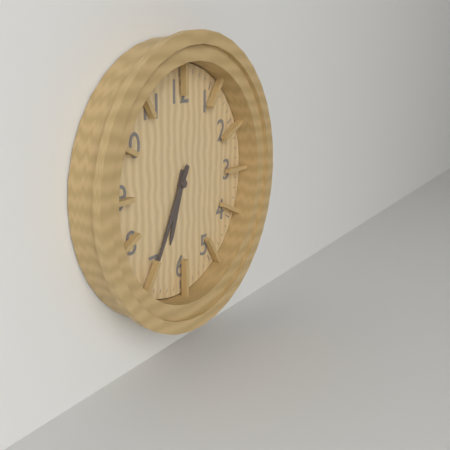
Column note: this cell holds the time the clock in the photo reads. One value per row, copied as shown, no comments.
6:35
